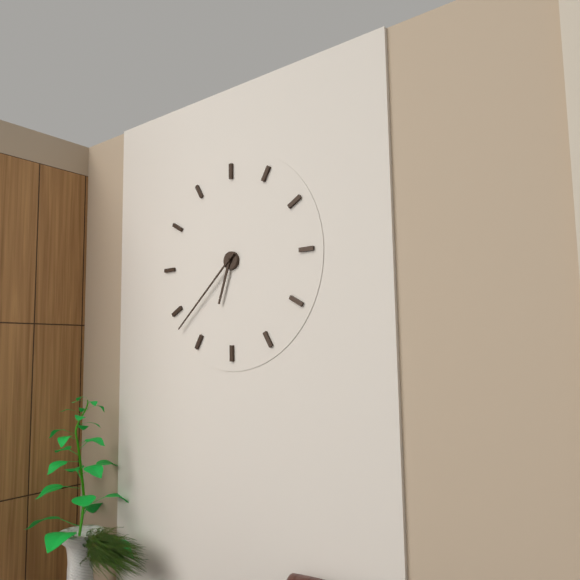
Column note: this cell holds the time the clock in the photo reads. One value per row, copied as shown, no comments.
6:38
